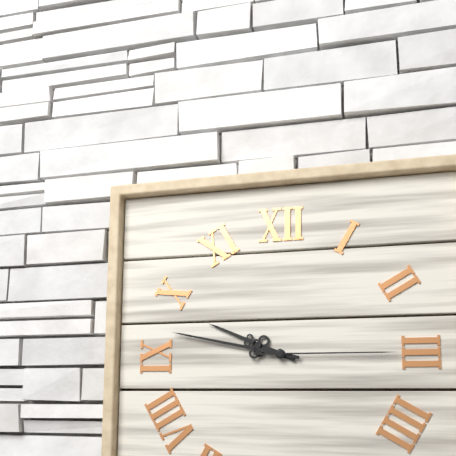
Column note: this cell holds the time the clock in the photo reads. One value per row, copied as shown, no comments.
9:47:15
